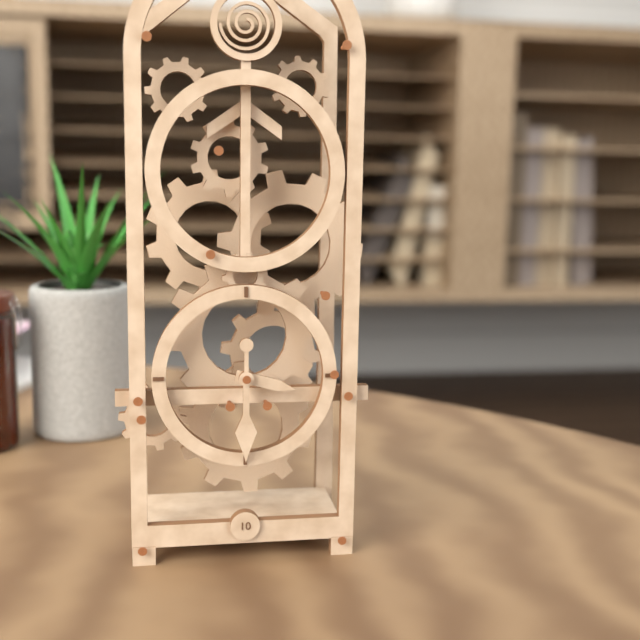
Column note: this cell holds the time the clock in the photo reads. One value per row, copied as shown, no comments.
3:30
